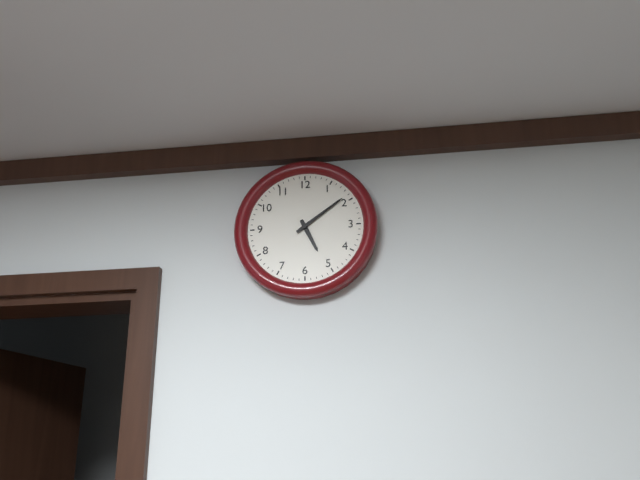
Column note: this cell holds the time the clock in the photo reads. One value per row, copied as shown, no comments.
5:09
